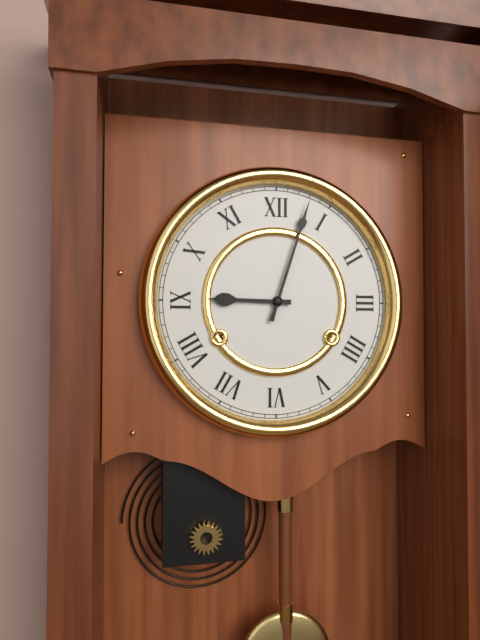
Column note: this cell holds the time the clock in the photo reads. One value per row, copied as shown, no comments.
9:03
